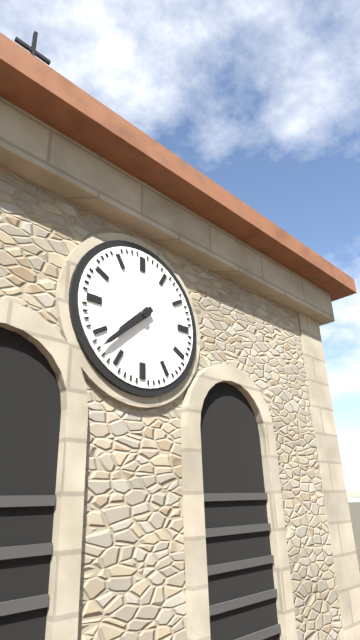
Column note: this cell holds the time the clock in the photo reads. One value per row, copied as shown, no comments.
7:38
